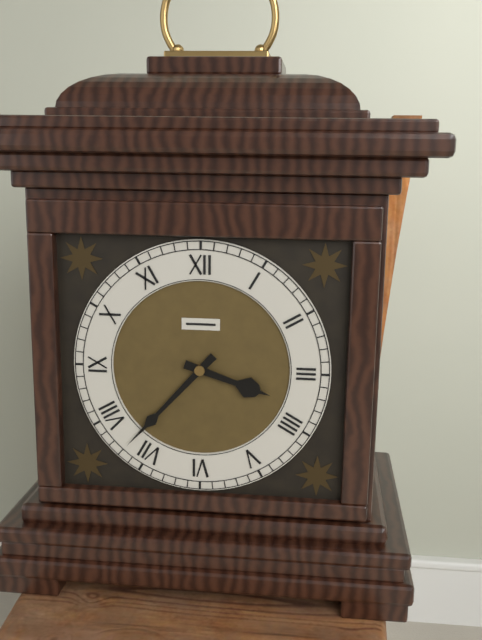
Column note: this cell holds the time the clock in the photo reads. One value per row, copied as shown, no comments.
3:37
